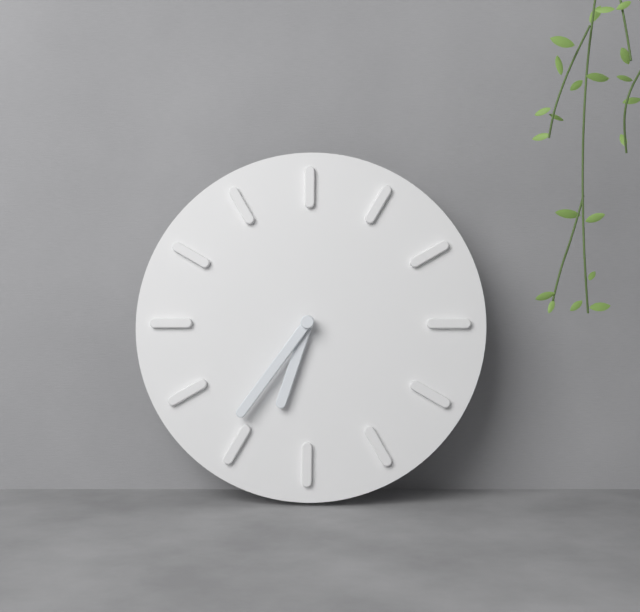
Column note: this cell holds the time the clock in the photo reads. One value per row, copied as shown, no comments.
6:36
